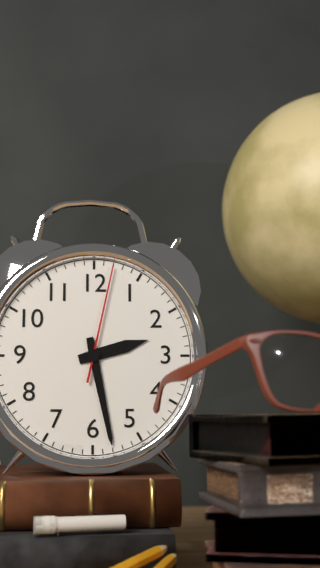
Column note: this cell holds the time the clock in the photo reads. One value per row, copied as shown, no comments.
2:28:02
